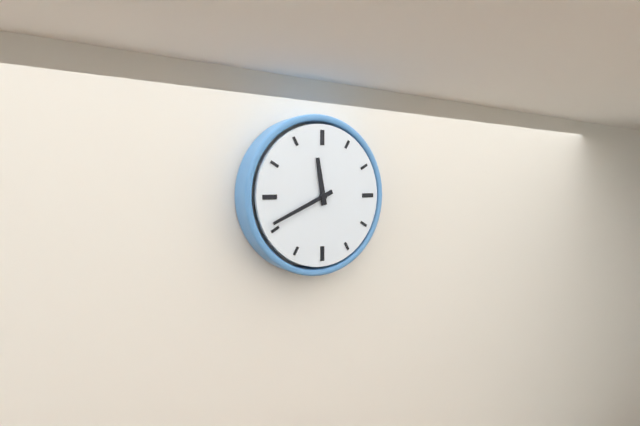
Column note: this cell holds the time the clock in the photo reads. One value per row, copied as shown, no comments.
11:41
